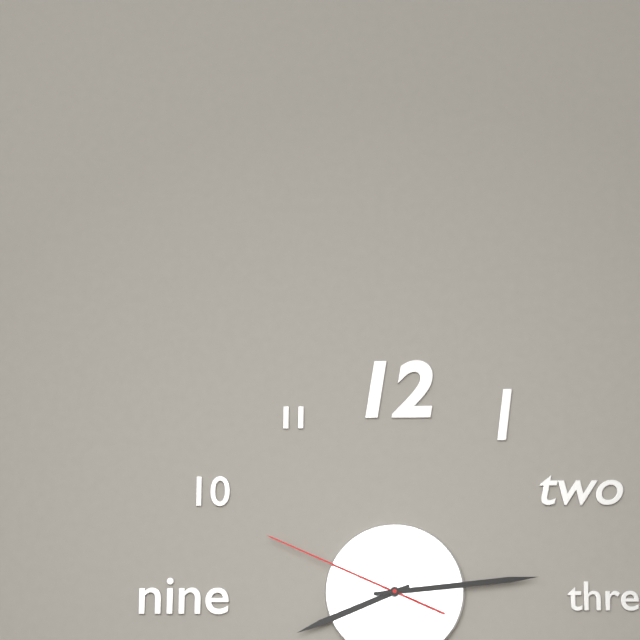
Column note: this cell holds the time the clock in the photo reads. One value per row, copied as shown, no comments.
8:14:49
